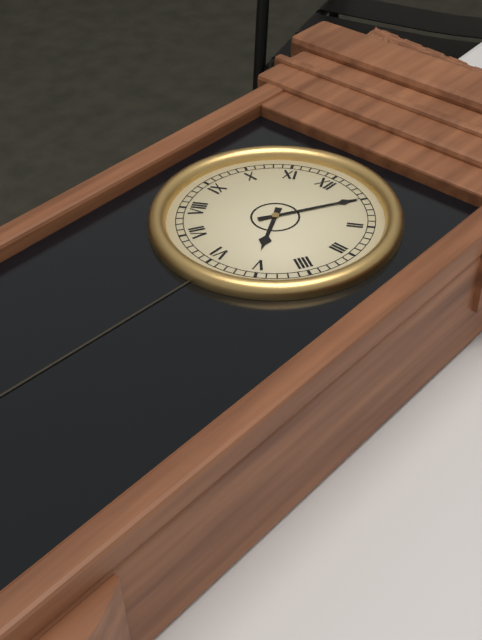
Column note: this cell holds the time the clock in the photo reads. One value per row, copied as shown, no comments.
5:05
